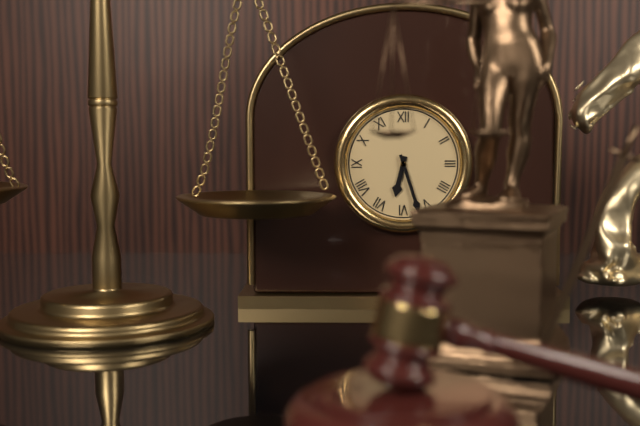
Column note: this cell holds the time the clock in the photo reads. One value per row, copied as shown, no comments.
6:27
